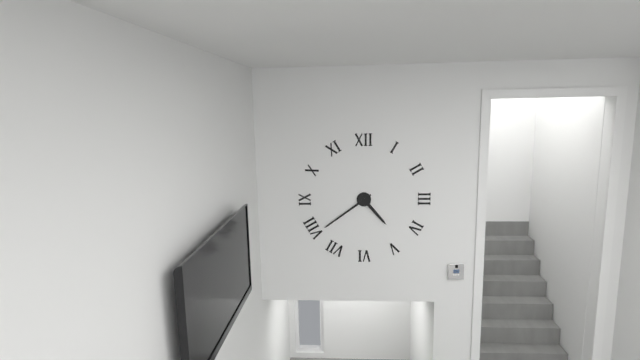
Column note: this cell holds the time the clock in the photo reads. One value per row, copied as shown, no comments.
4:39
